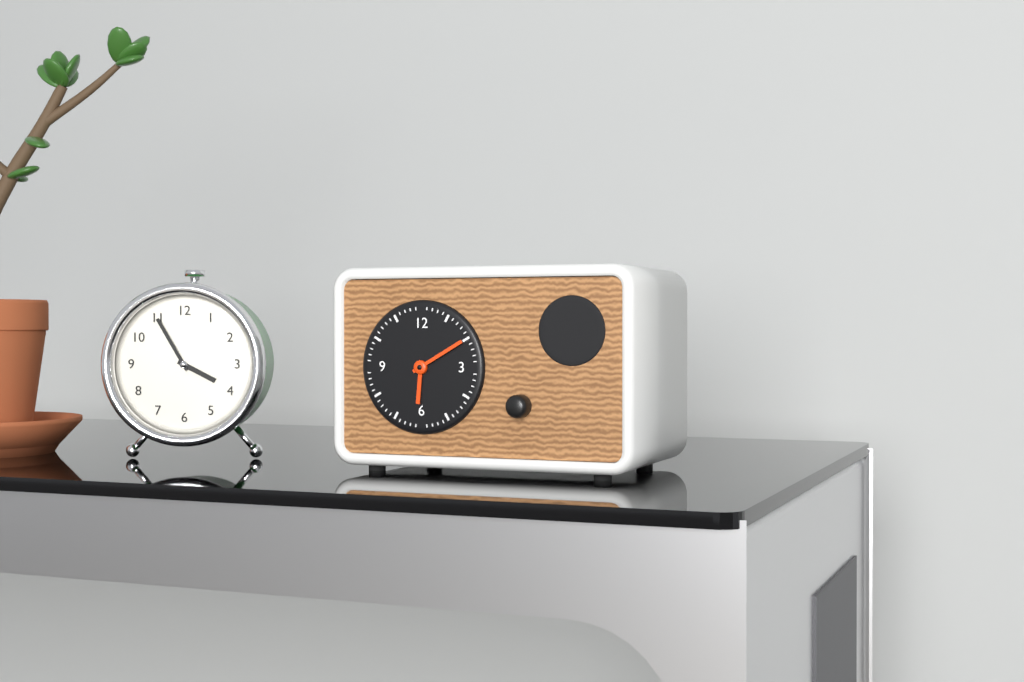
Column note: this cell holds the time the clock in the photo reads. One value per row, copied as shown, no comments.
6:10
